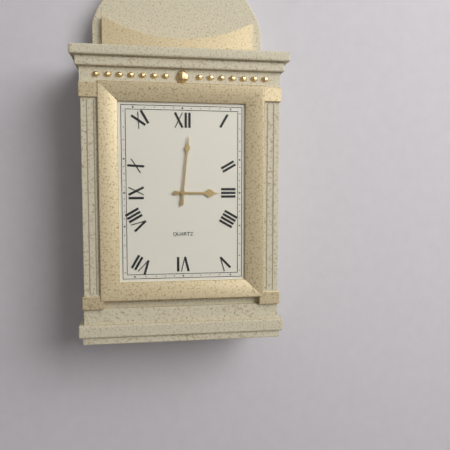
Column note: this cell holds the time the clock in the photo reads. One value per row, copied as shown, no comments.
3:01
